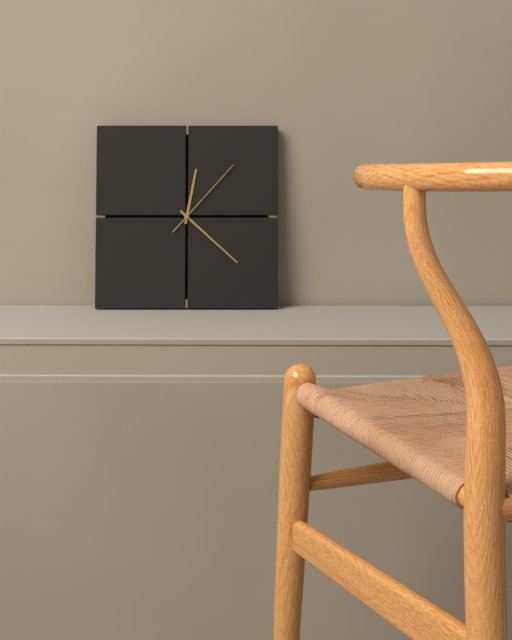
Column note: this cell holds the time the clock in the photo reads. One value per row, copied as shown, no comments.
12:22:07
